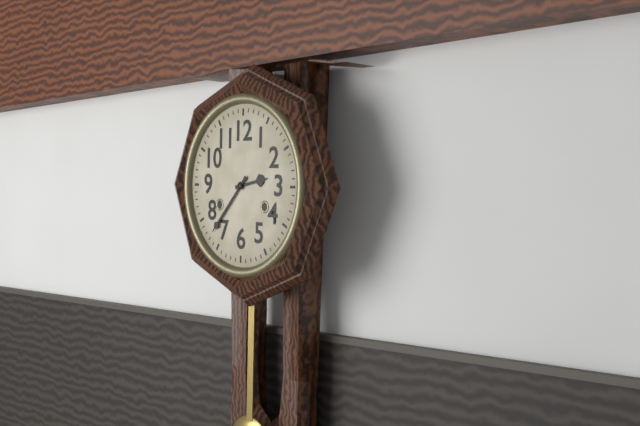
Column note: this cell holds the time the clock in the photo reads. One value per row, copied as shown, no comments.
2:37
